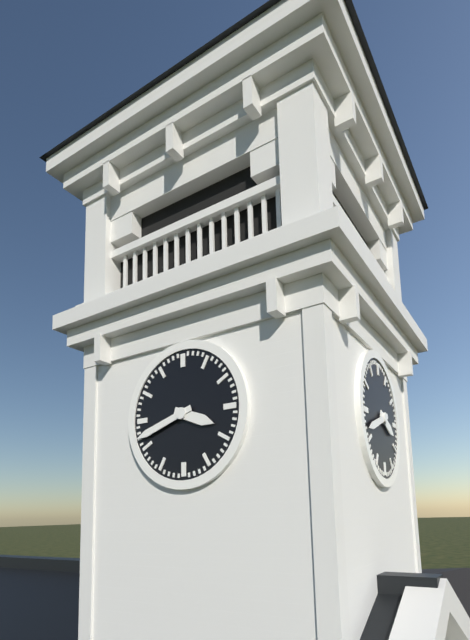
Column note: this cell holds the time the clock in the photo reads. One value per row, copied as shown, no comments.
3:42
